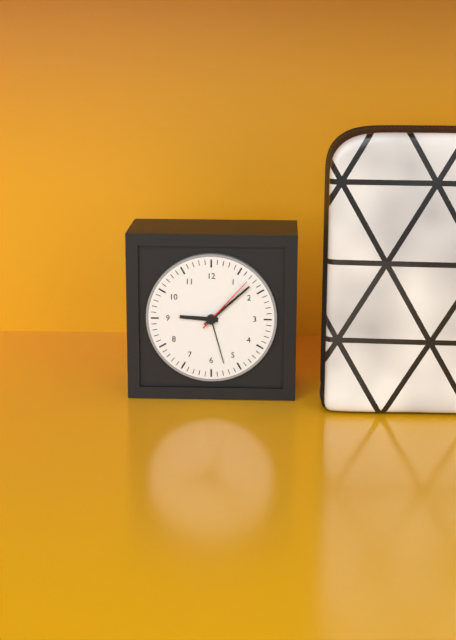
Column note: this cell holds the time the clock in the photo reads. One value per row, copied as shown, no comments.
9:08:07
